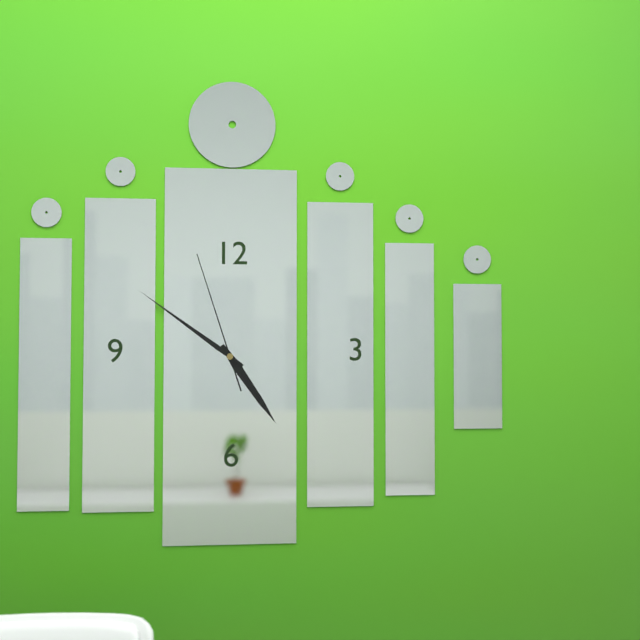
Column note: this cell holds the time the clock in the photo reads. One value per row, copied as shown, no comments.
4:51:57
